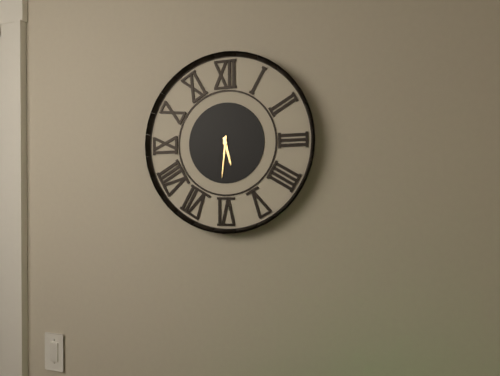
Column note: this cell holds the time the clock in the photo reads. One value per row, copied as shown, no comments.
5:31
